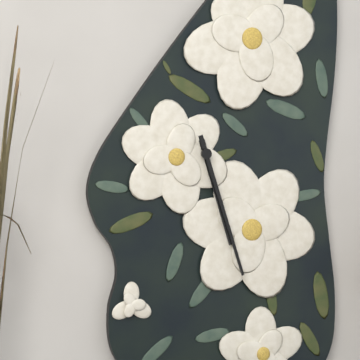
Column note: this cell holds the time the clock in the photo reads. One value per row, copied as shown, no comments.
5:27
